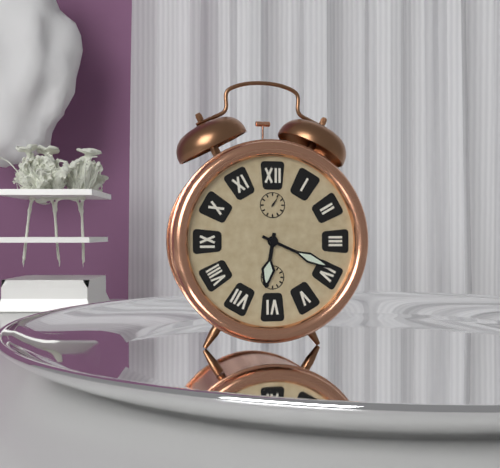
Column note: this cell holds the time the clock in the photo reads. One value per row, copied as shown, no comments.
6:19
